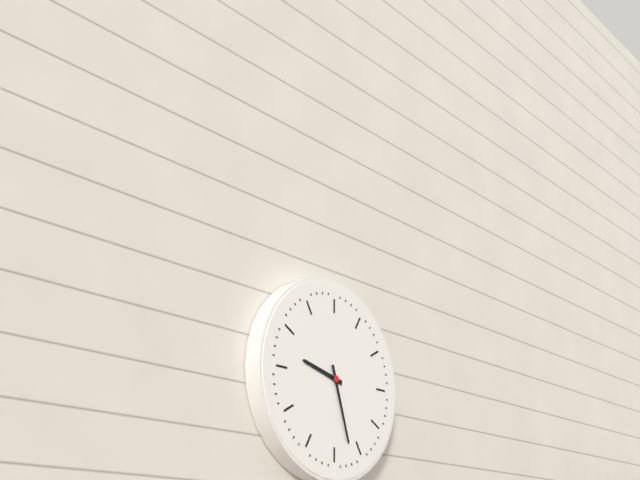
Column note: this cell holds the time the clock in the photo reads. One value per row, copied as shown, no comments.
9:27
